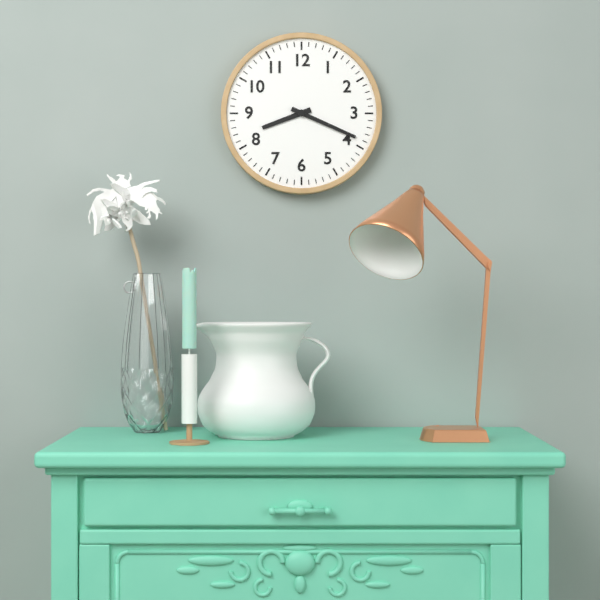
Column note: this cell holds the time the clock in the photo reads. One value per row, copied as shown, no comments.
8:19
